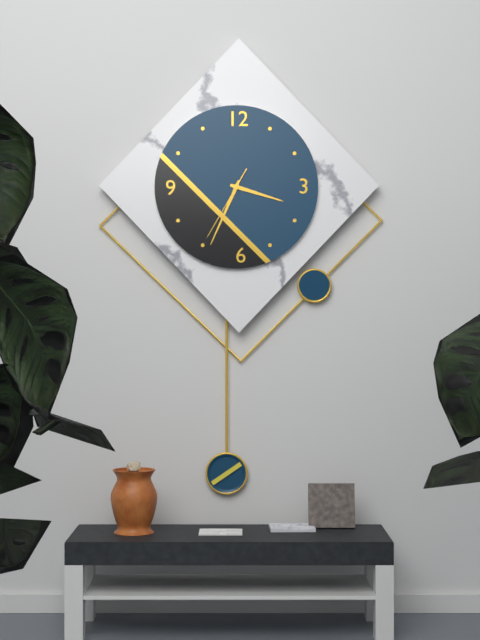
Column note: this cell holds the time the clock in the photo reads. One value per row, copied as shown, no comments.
3:34:35
